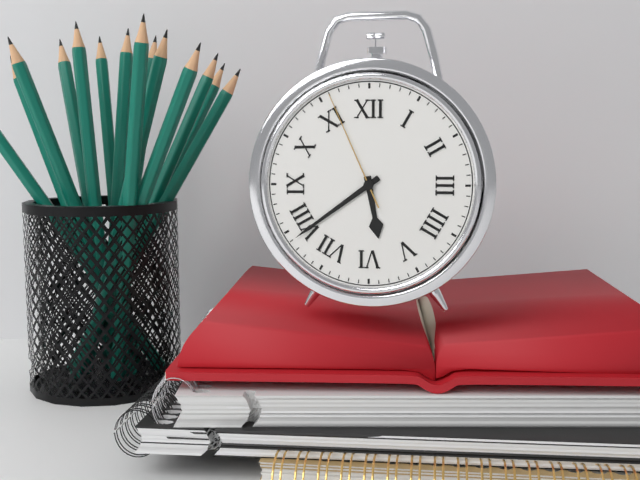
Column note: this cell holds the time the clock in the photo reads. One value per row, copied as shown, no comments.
5:39:56
